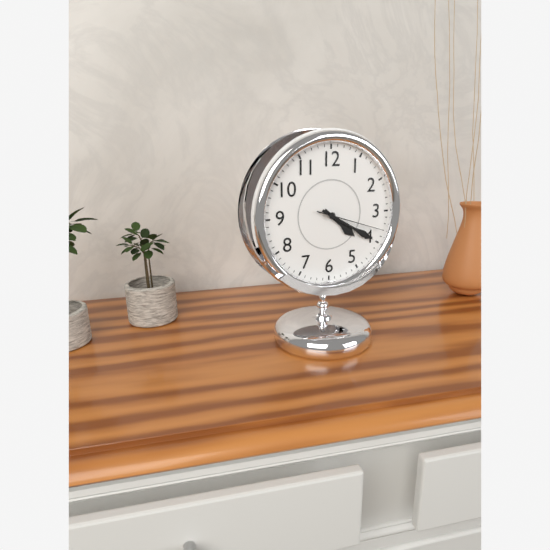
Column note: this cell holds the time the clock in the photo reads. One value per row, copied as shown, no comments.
4:20:18
